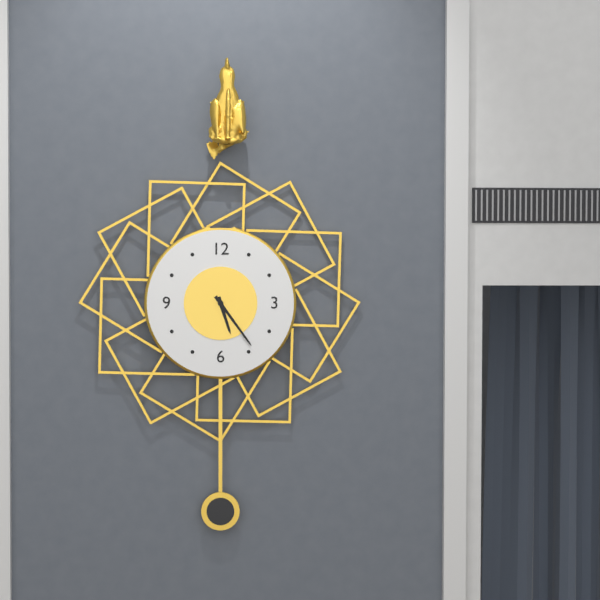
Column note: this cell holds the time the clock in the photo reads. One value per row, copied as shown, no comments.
5:24
